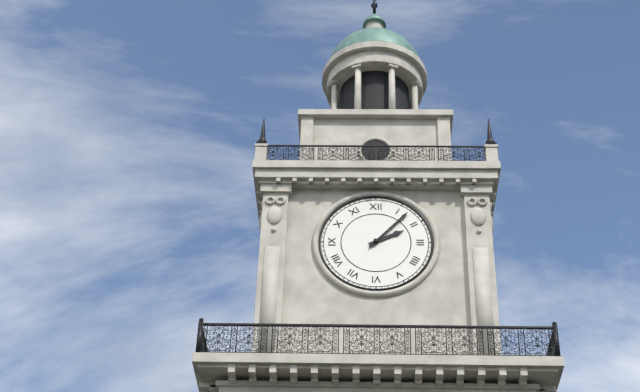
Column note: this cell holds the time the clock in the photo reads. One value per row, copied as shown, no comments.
2:07
